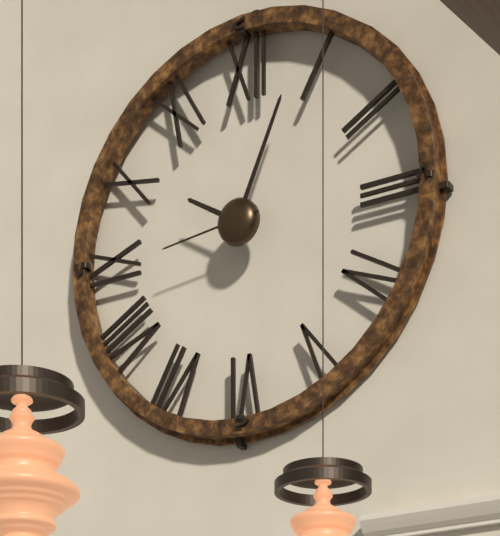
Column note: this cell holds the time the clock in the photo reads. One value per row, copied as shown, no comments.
10:04:44
